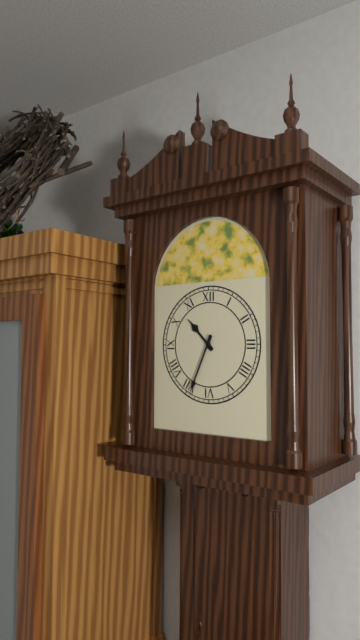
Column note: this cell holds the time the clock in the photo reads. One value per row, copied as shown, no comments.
10:34
